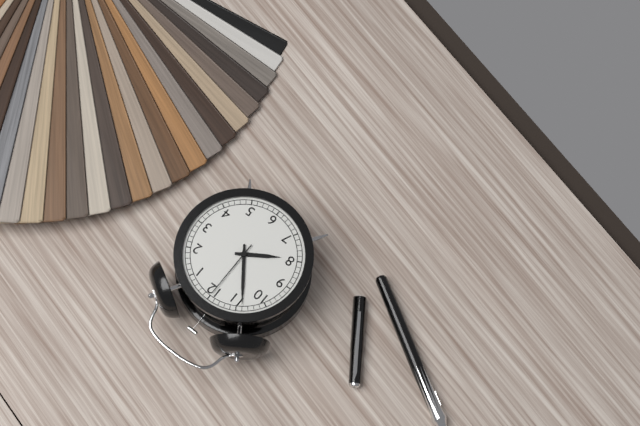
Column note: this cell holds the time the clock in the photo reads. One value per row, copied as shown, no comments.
7:54:00
